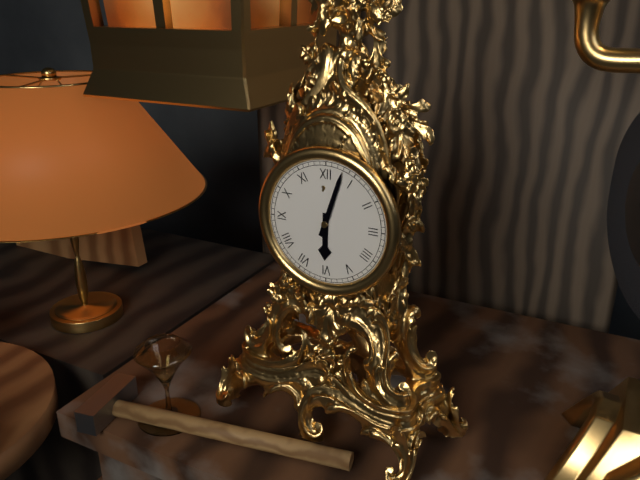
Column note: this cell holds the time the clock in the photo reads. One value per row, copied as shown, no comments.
6:03
